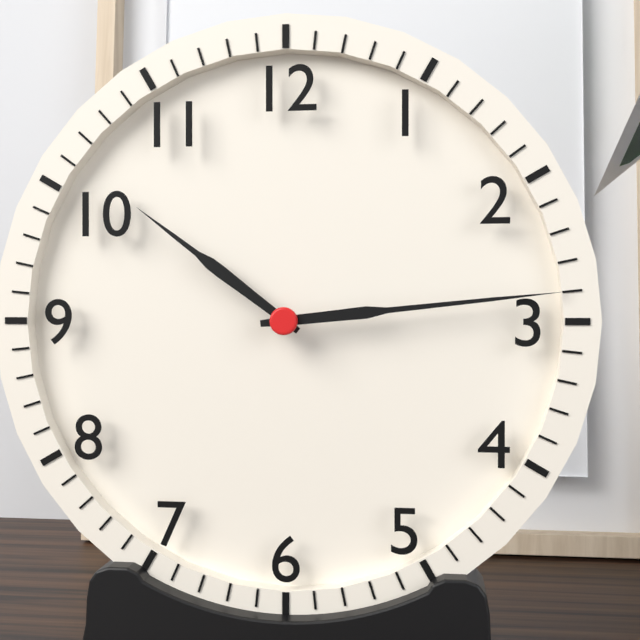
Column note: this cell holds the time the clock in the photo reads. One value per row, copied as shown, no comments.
10:14
